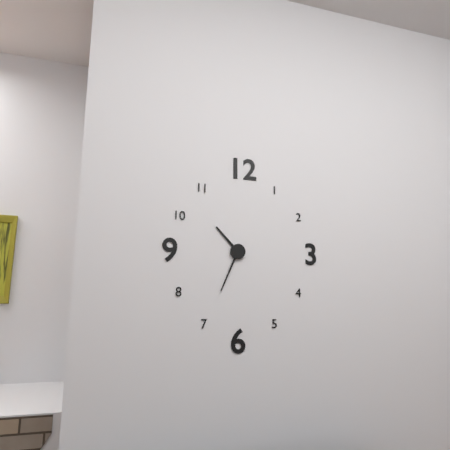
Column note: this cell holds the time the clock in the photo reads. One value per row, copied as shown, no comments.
10:34
